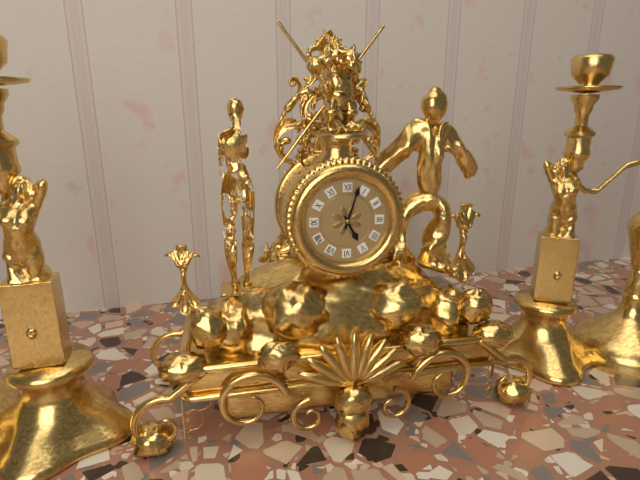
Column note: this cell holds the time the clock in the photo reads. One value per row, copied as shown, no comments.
5:03
